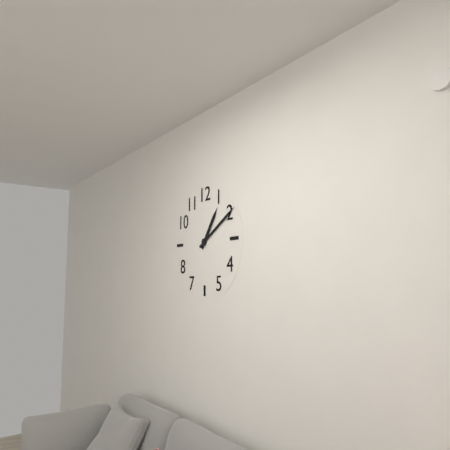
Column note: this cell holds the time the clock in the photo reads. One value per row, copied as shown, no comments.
1:10
